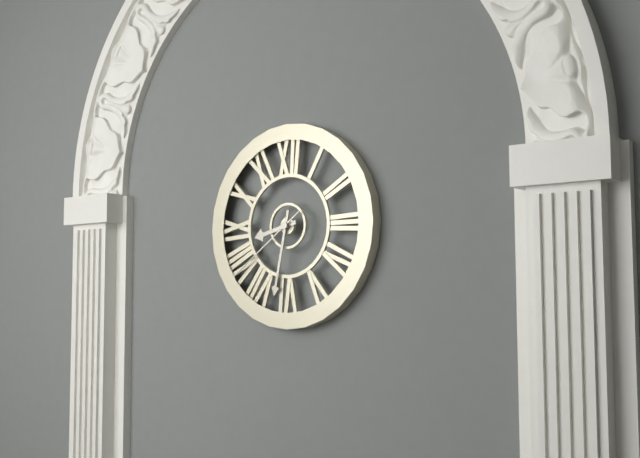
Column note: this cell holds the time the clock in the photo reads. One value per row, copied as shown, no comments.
8:32:39
